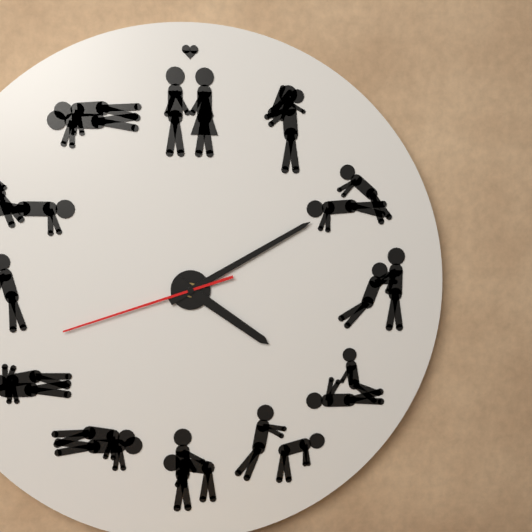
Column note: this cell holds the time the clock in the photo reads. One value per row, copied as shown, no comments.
4:10:42
